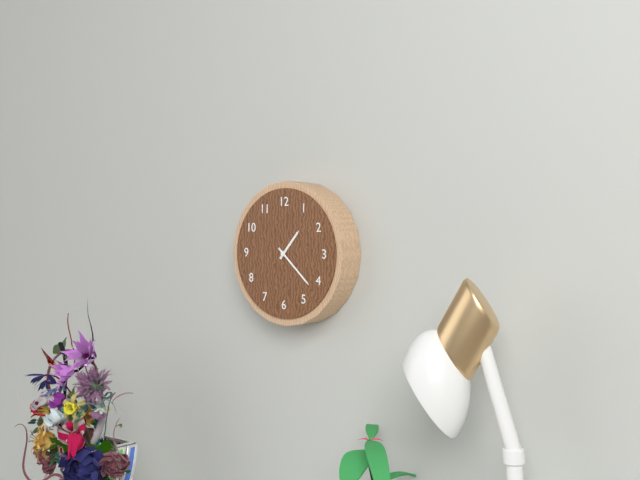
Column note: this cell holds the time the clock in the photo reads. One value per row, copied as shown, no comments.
1:22
